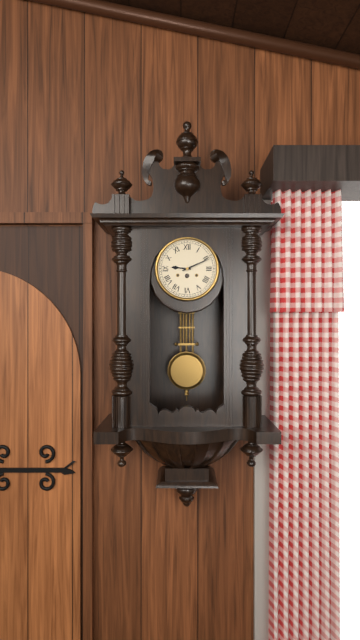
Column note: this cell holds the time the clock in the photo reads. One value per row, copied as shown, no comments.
9:11
